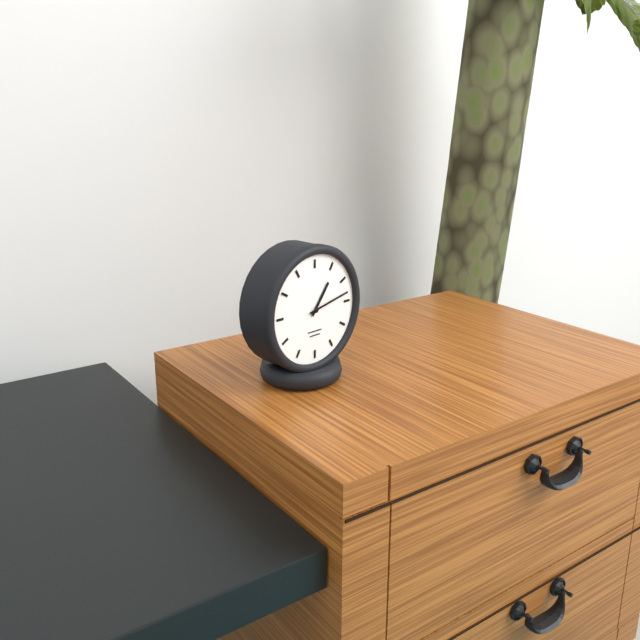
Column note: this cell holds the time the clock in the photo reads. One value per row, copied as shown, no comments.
1:13
